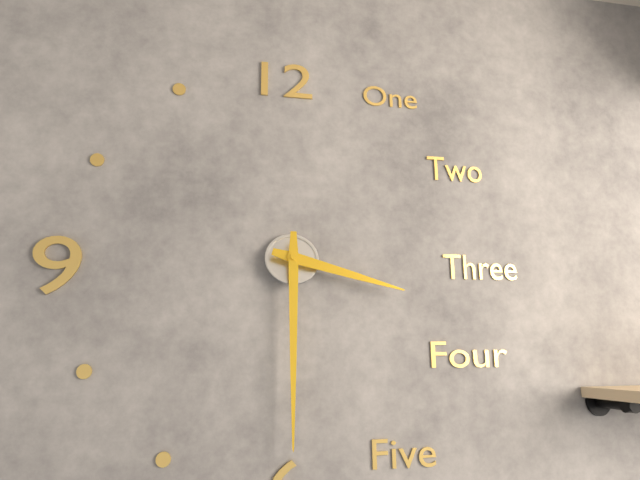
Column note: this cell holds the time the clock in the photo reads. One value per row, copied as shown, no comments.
3:30
